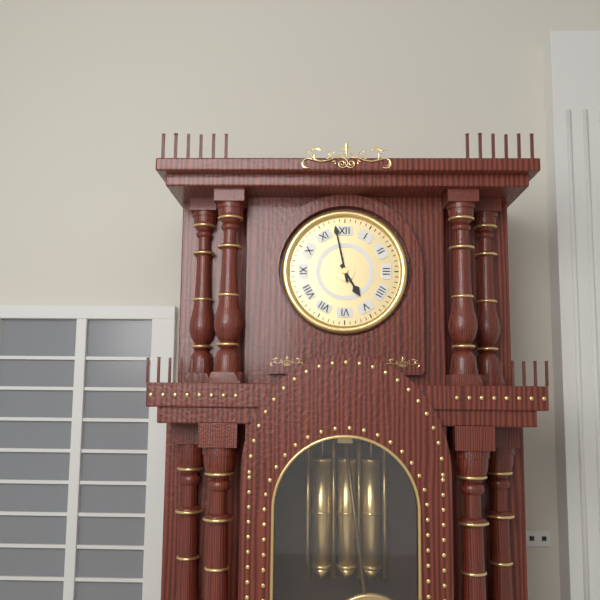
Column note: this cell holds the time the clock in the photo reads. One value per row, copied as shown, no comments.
4:58
